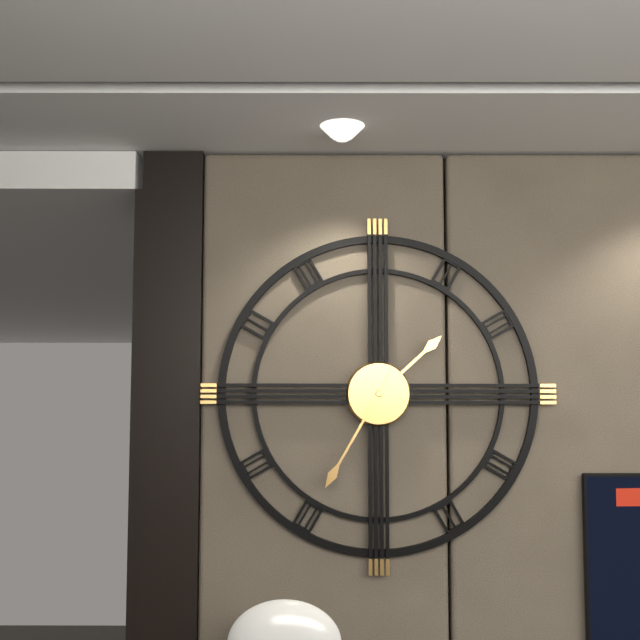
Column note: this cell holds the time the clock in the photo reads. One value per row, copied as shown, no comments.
1:35
